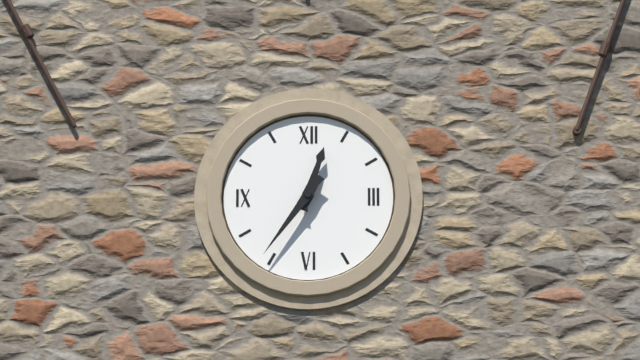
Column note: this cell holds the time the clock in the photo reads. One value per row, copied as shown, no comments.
12:36
